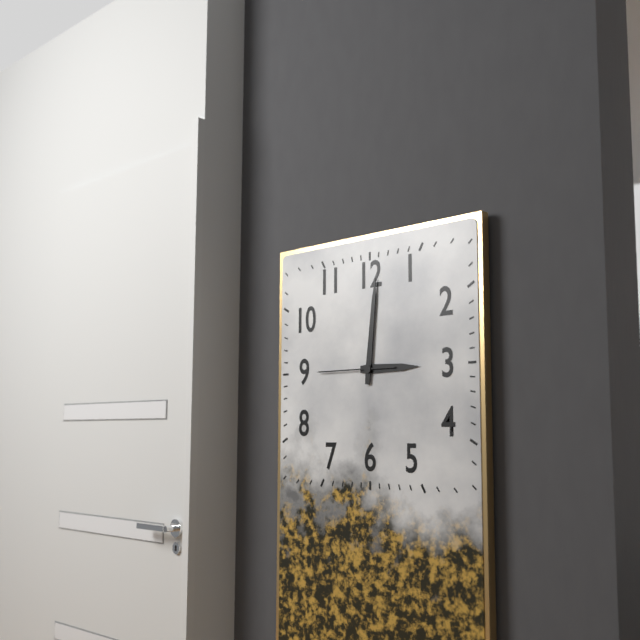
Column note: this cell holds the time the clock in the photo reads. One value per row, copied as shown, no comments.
3:01:45
